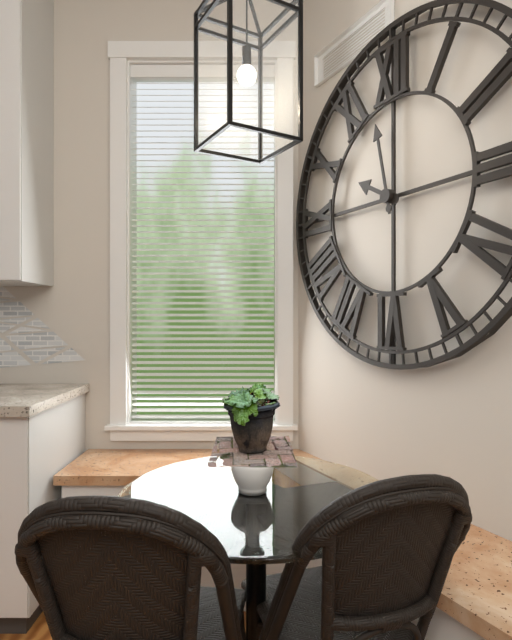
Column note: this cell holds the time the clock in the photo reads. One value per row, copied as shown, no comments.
9:58
